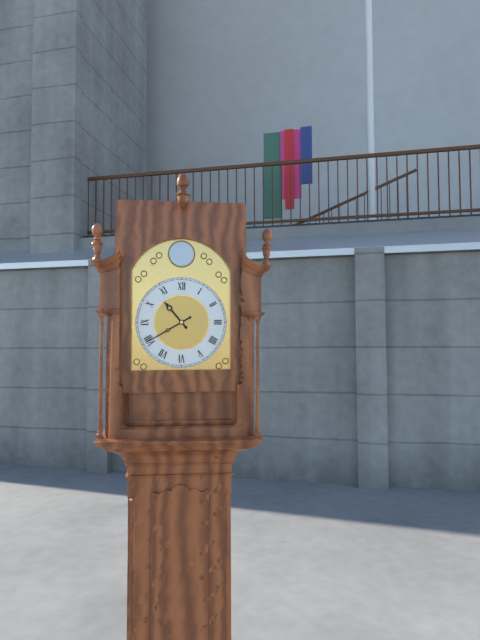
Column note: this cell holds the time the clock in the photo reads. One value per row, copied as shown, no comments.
10:40
